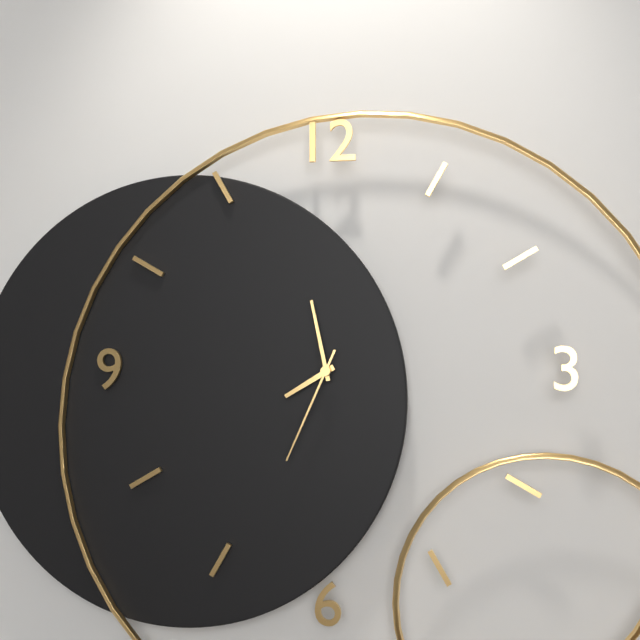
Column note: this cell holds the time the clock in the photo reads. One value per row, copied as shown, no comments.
7:58:34
